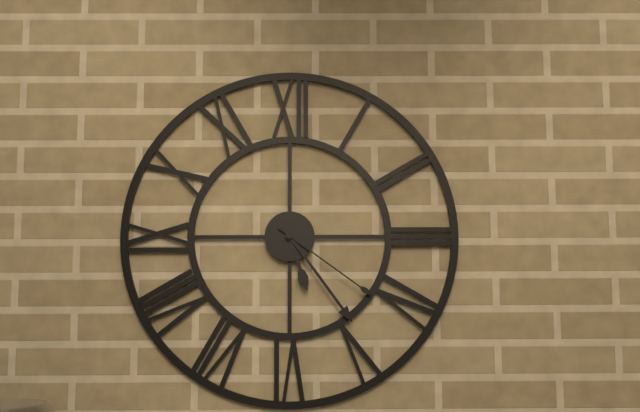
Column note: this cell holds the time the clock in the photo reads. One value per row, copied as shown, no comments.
5:24:21
